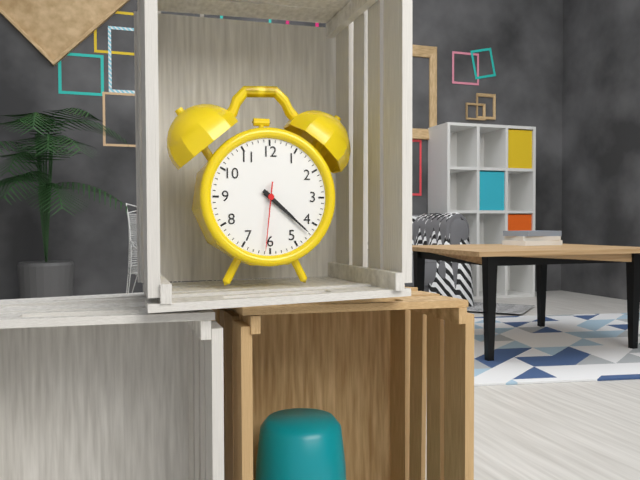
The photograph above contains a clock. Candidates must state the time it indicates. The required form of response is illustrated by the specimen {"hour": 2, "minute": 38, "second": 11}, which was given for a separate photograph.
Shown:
{"hour": 4, "minute": 22, "second": 31}
